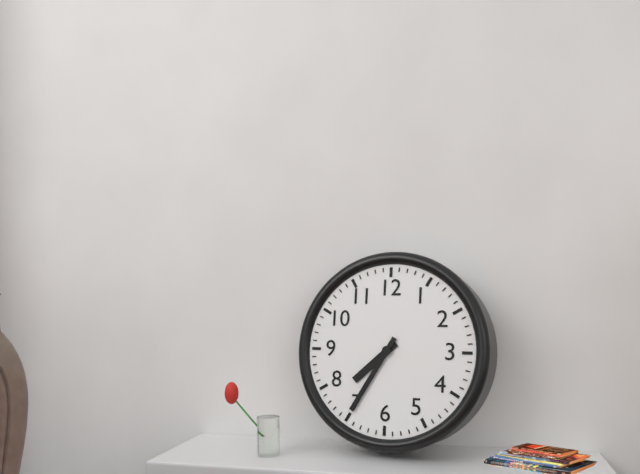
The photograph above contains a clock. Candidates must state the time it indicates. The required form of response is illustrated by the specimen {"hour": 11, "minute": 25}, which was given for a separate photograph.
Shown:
{"hour": 7, "minute": 35}
